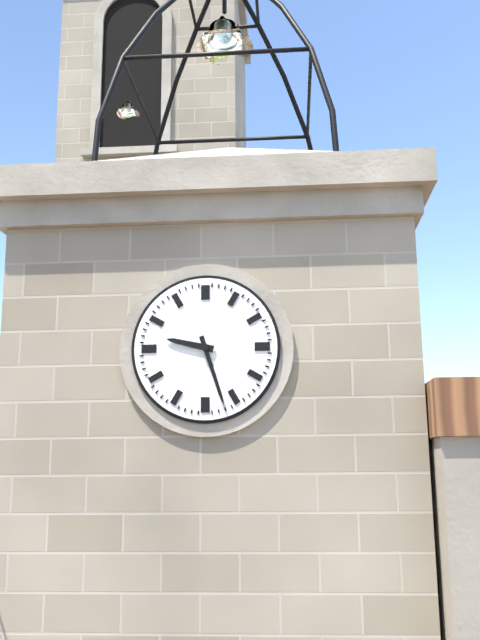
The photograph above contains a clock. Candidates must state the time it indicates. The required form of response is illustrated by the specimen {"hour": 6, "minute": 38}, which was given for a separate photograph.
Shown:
{"hour": 9, "minute": 27}
